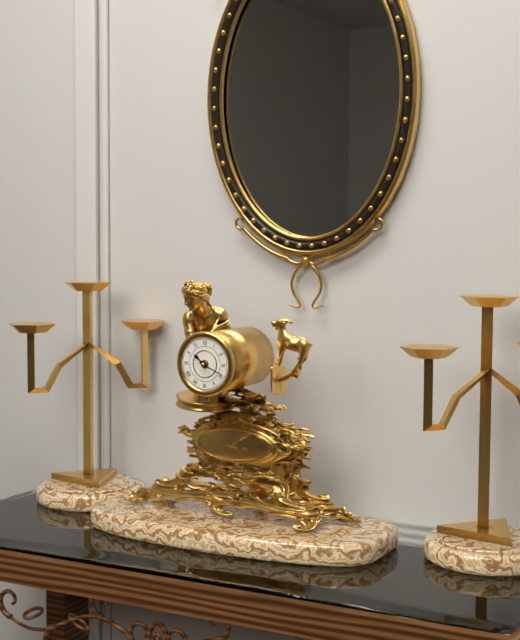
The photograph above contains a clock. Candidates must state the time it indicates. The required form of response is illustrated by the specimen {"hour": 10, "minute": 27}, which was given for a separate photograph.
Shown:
{"hour": 10, "minute": 19}
